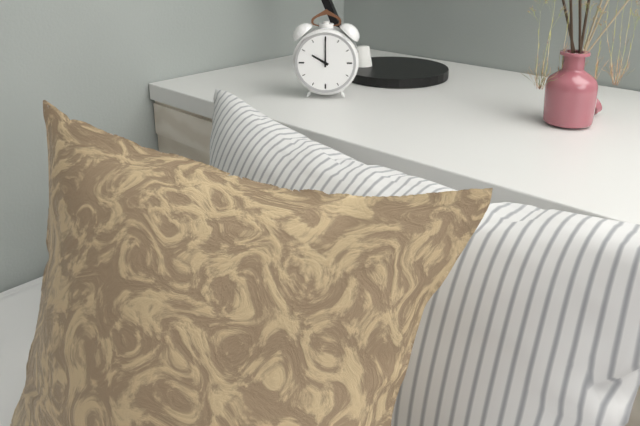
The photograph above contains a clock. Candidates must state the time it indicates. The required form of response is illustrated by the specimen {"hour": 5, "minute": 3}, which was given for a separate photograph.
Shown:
{"hour": 10, "minute": 0}
